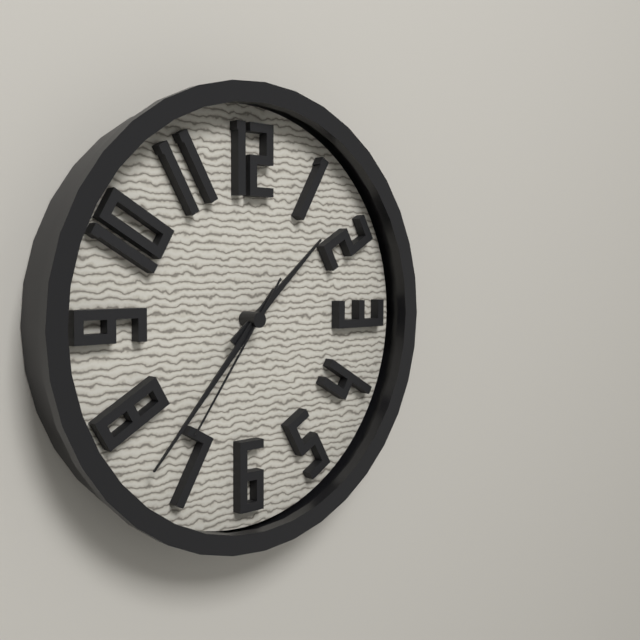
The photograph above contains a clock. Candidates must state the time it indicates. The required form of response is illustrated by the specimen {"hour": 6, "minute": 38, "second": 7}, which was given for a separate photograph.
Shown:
{"hour": 1, "minute": 37, "second": 36}
